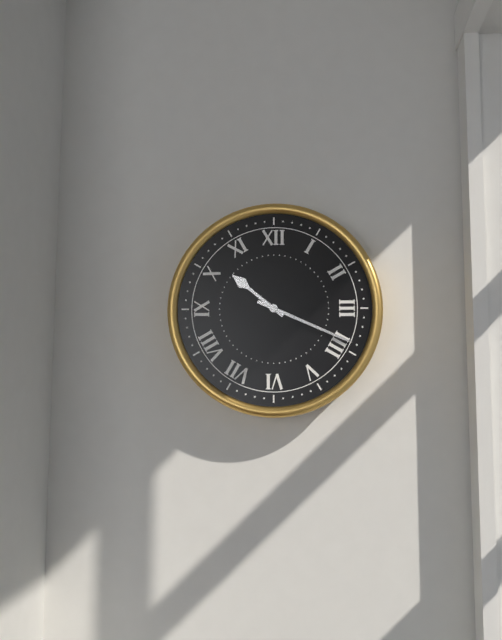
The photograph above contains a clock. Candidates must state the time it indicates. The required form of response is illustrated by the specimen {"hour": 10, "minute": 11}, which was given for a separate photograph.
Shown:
{"hour": 10, "minute": 19}
